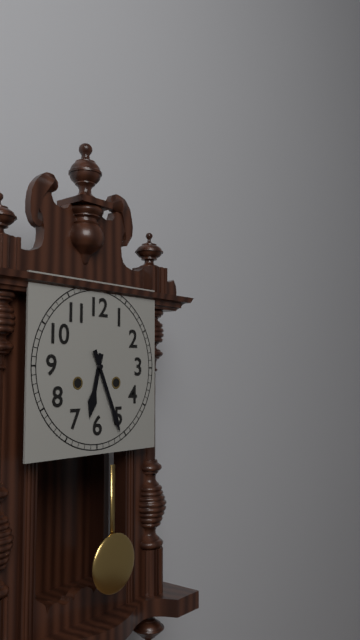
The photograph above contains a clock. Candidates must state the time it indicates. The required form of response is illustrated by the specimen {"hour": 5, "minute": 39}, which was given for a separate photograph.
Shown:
{"hour": 6, "minute": 26}
